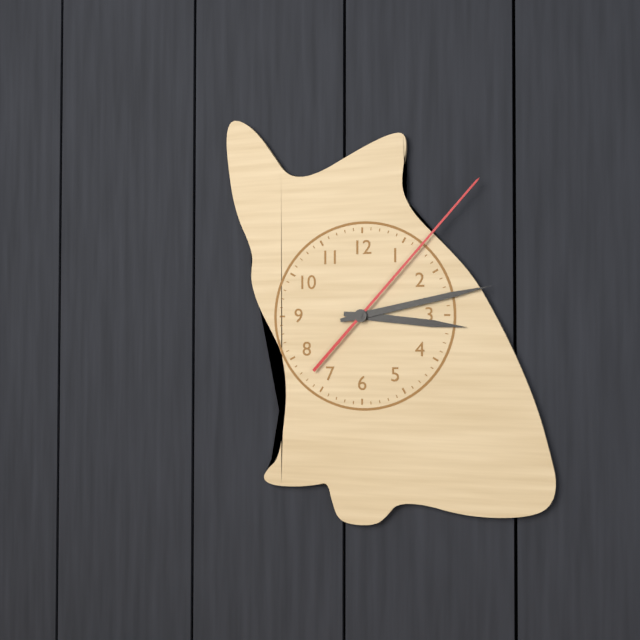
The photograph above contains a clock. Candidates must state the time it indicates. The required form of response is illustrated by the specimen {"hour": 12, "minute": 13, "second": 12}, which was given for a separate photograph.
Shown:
{"hour": 3, "minute": 13, "second": 7}
